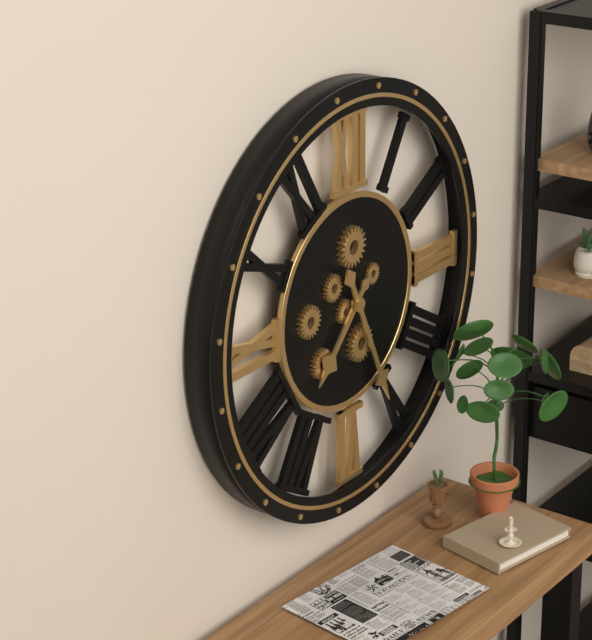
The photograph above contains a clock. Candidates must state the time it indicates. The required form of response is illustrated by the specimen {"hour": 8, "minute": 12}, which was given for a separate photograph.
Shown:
{"hour": 7, "minute": 26}
